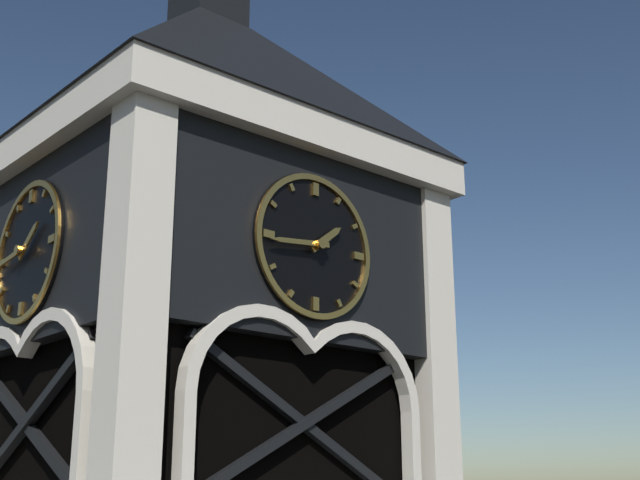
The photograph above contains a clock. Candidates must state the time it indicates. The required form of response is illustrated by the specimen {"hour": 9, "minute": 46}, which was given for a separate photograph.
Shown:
{"hour": 1, "minute": 44}
